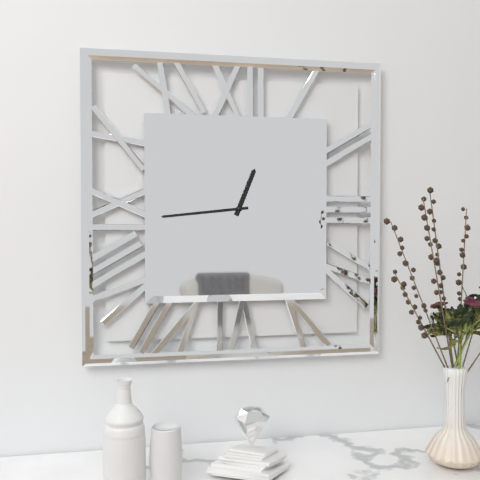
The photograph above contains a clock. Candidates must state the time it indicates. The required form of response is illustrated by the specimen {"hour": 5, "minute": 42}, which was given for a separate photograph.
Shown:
{"hour": 12, "minute": 44}
